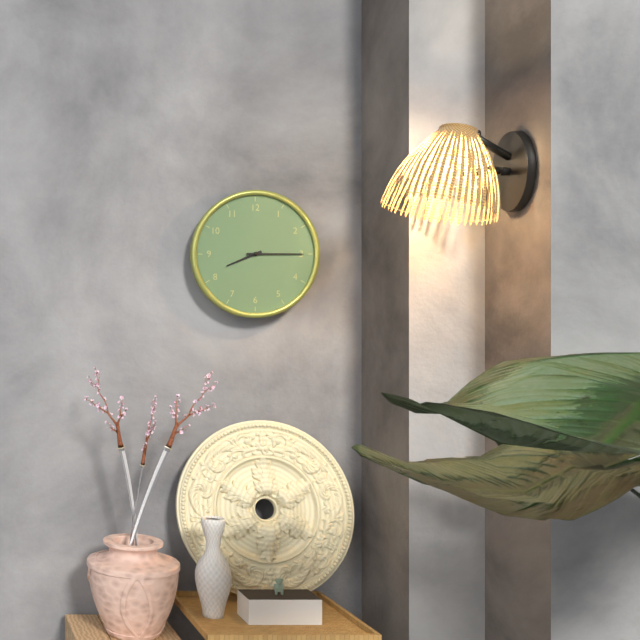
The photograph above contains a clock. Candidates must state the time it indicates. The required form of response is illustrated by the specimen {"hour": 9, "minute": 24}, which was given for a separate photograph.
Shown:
{"hour": 8, "minute": 15}
